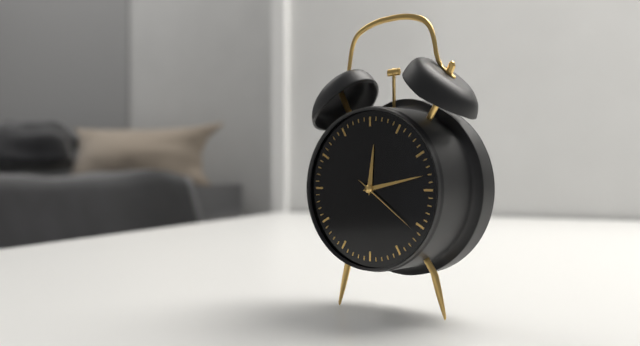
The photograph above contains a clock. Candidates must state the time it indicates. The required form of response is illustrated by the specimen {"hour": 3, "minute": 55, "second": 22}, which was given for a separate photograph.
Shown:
{"hour": 12, "minute": 13, "second": 21}
